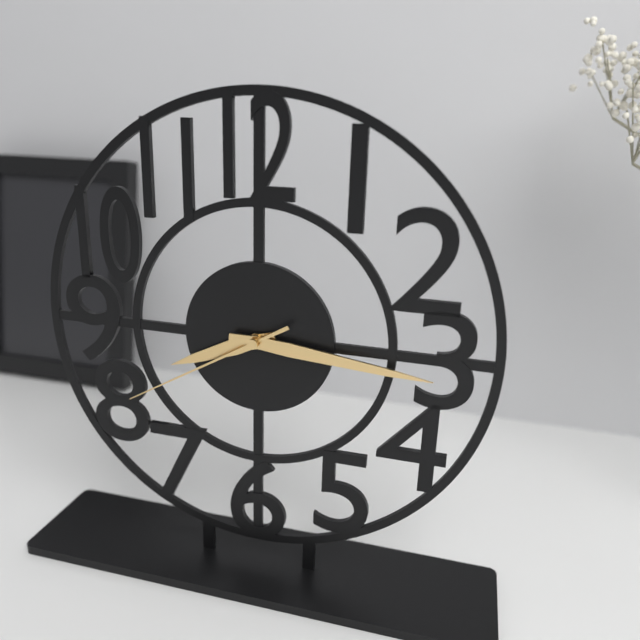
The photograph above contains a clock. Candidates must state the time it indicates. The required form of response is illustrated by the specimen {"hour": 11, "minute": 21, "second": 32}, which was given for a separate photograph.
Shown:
{"hour": 8, "minute": 16, "second": 40}
